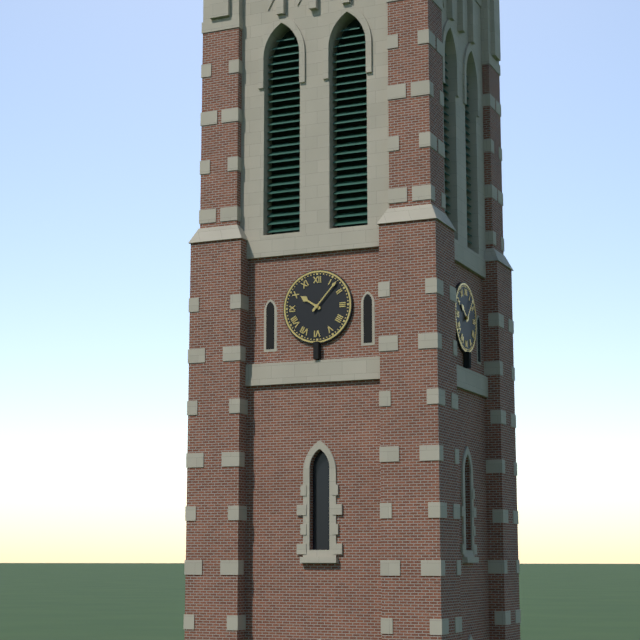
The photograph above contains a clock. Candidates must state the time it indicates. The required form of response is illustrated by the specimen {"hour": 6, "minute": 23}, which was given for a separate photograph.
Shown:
{"hour": 10, "minute": 7}
